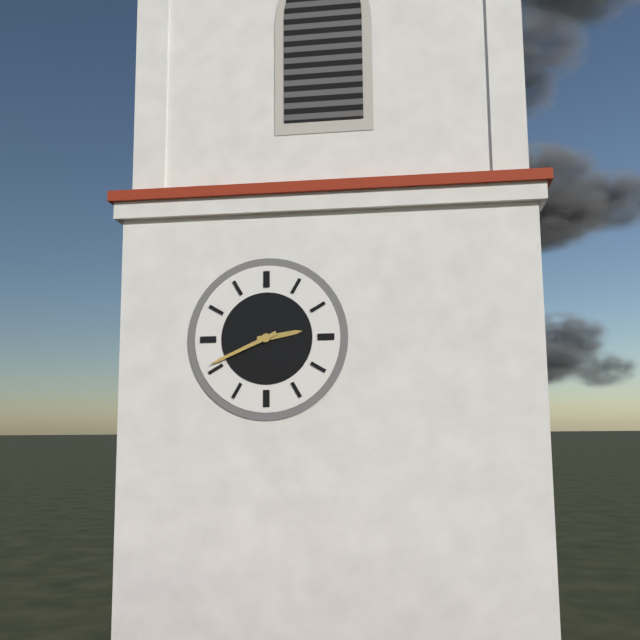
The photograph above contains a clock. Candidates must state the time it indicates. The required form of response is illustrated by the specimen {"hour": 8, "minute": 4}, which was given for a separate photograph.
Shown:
{"hour": 2, "minute": 41}
